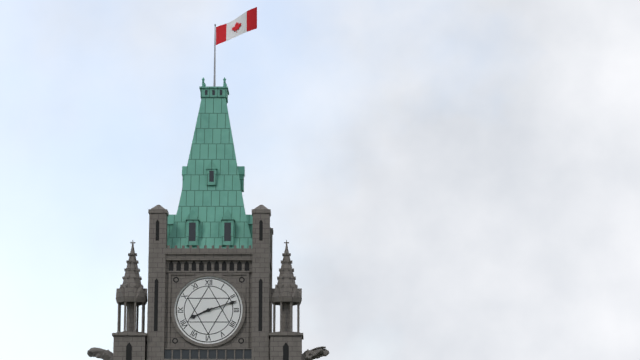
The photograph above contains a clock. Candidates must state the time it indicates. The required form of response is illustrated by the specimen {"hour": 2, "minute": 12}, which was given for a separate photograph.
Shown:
{"hour": 8, "minute": 12}
